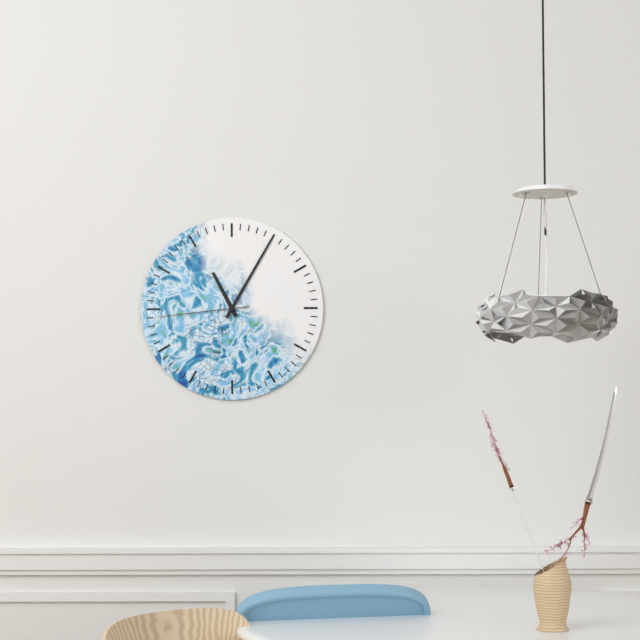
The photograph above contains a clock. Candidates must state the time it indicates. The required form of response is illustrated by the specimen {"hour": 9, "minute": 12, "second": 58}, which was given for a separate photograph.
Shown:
{"hour": 11, "minute": 5, "second": 44}
